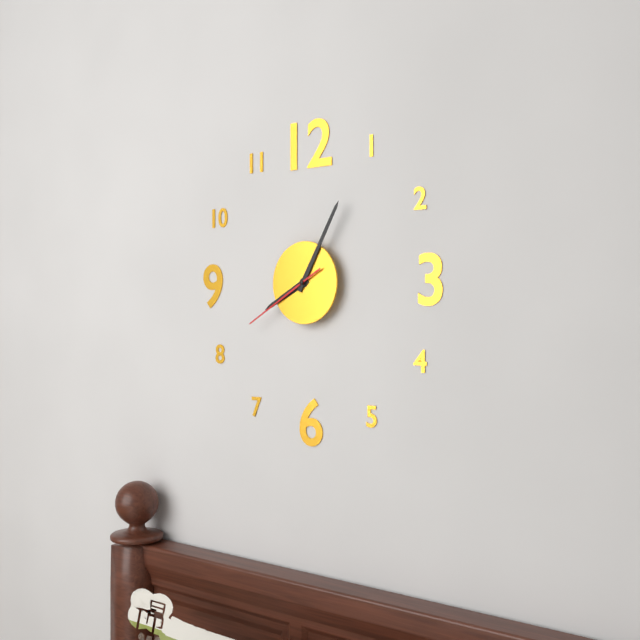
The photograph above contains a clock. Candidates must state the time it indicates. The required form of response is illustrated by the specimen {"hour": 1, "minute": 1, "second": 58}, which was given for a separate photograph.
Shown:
{"hour": 8, "minute": 5, "second": 40}
